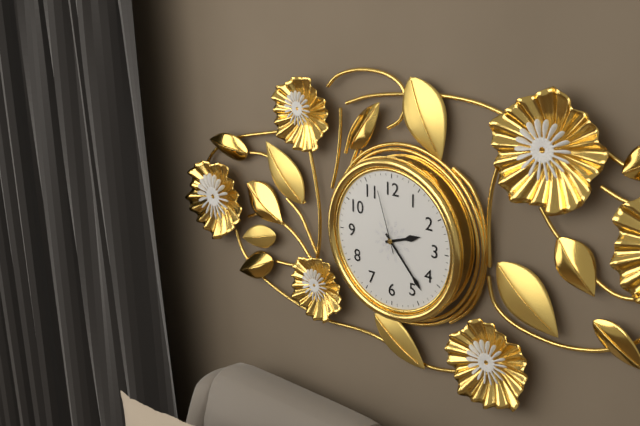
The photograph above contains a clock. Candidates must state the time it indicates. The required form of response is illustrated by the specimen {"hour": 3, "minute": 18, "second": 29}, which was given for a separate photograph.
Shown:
{"hour": 2, "minute": 23, "second": 57}
